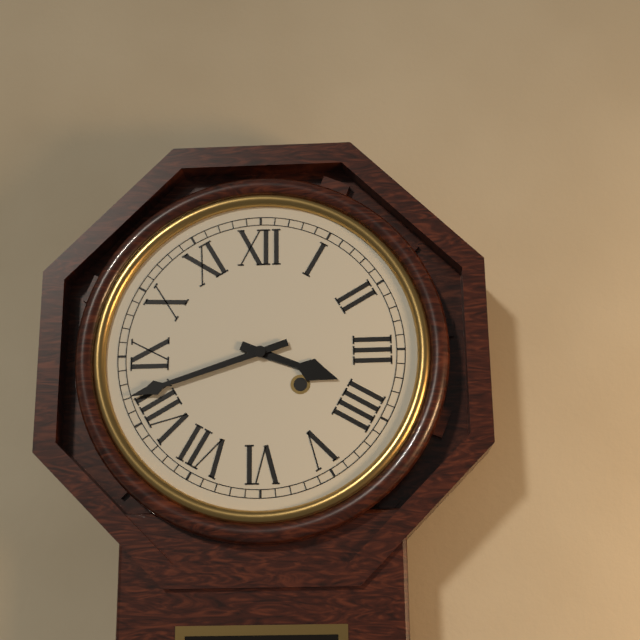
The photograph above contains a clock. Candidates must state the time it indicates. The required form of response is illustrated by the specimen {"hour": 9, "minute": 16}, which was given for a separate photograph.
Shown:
{"hour": 3, "minute": 42}
